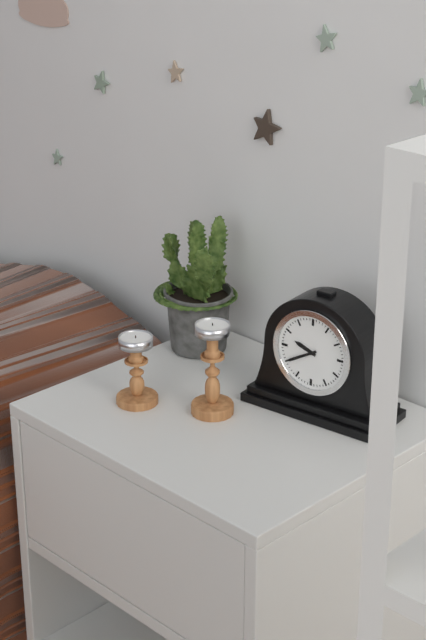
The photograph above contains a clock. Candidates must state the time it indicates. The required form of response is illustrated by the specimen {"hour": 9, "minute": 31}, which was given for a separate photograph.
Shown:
{"hour": 9, "minute": 40}
